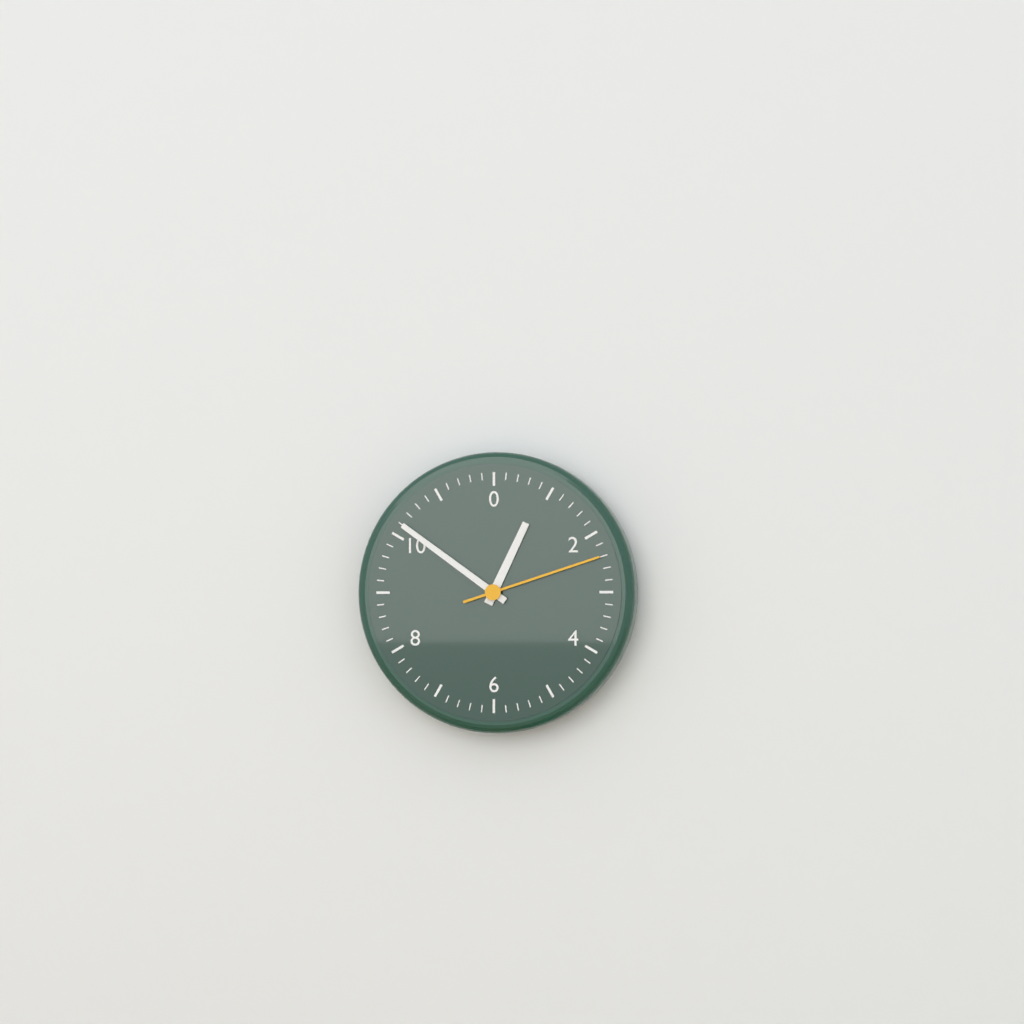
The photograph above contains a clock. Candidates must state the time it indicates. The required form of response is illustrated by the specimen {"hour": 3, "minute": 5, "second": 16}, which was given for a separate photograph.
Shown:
{"hour": 12, "minute": 51, "second": 12}
